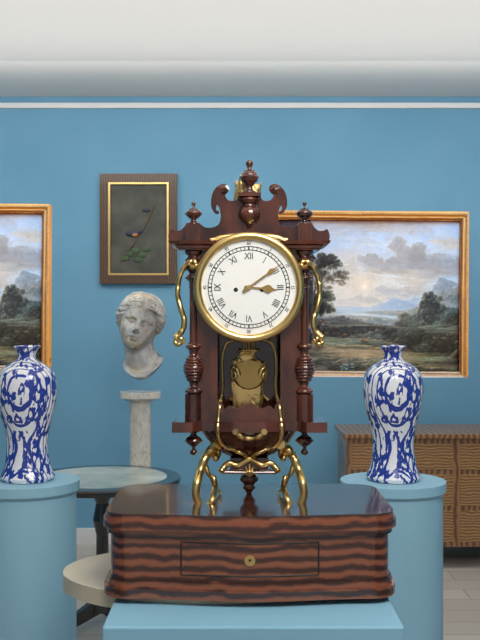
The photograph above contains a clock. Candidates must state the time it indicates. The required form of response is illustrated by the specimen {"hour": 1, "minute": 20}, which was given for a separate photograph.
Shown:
{"hour": 3, "minute": 9}
